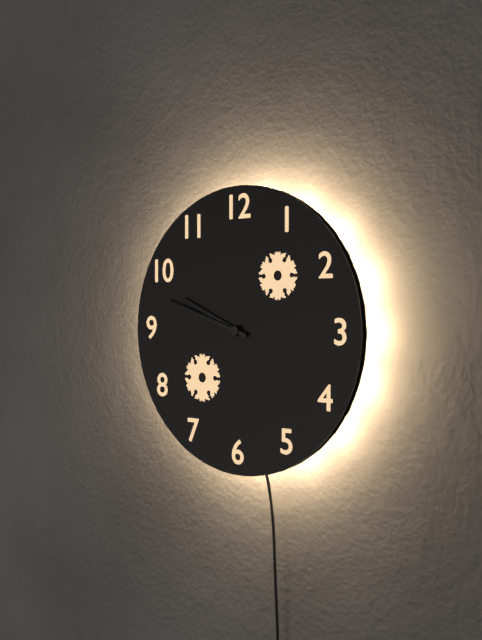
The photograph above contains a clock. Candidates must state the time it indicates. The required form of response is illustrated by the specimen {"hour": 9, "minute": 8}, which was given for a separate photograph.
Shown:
{"hour": 9, "minute": 48}
